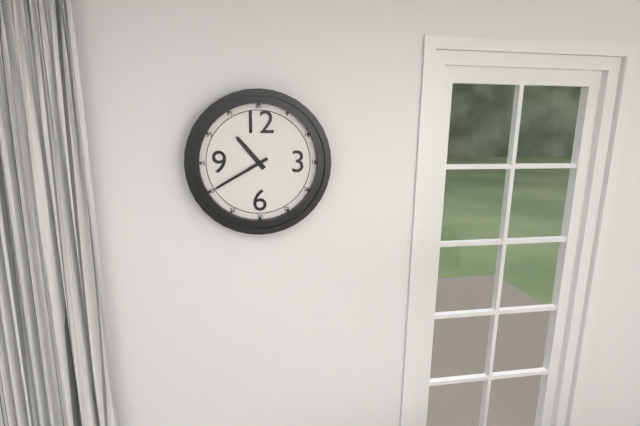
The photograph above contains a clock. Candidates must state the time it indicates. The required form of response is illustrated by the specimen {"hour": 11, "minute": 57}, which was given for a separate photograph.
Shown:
{"hour": 10, "minute": 40}
